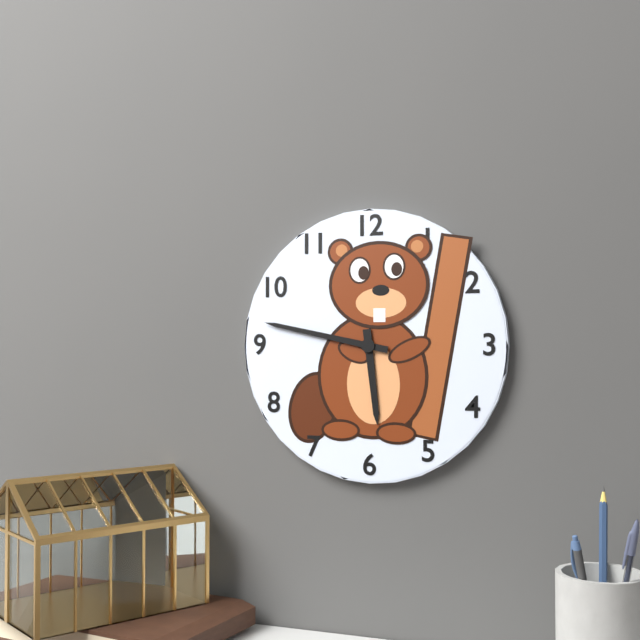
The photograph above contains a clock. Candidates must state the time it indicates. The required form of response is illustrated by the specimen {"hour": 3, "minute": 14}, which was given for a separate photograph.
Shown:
{"hour": 5, "minute": 47}
